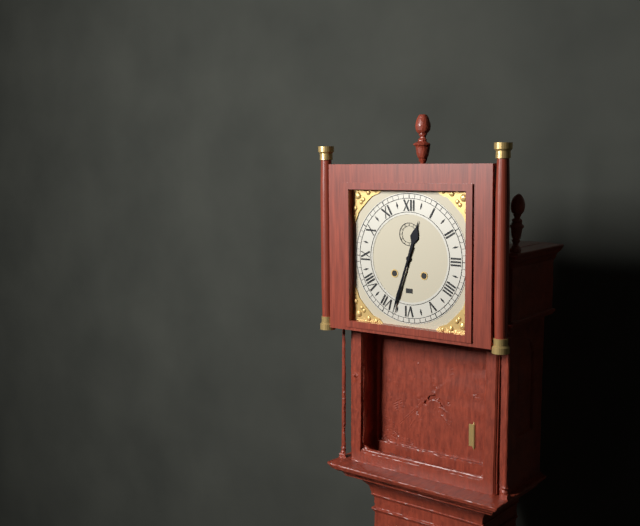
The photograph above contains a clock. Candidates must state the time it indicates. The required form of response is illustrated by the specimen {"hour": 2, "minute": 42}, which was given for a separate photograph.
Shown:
{"hour": 12, "minute": 33}
